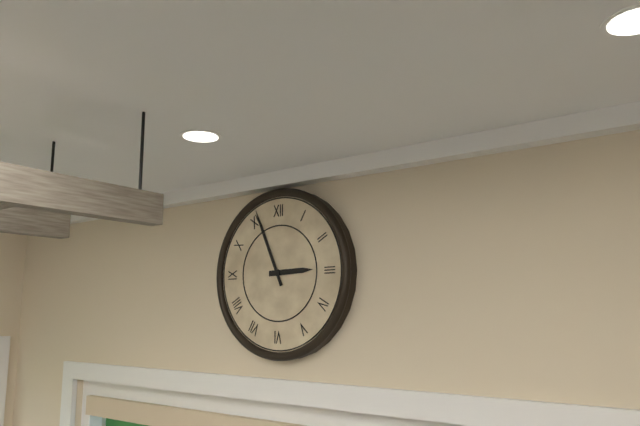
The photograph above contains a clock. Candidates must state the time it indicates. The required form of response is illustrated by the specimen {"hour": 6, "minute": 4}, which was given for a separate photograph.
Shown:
{"hour": 2, "minute": 56}
